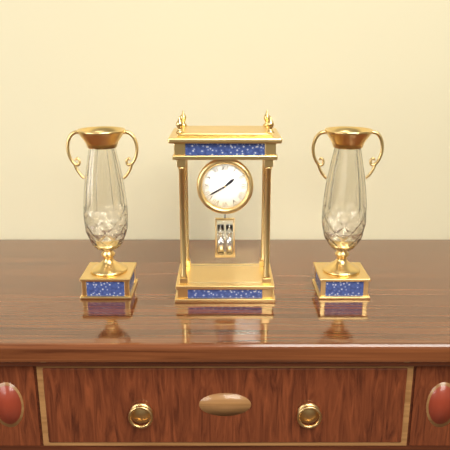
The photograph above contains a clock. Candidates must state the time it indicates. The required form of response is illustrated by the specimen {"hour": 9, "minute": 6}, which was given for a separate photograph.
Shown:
{"hour": 1, "minute": 40}
